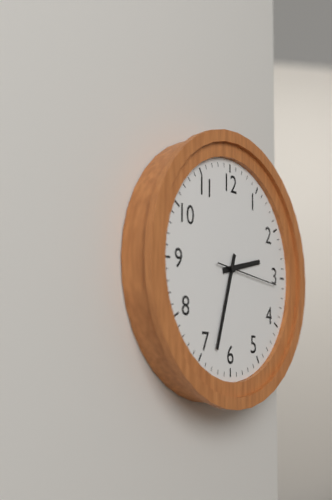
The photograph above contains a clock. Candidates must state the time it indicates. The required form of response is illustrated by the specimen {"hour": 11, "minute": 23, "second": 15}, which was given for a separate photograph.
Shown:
{"hour": 2, "minute": 33, "second": 16}
